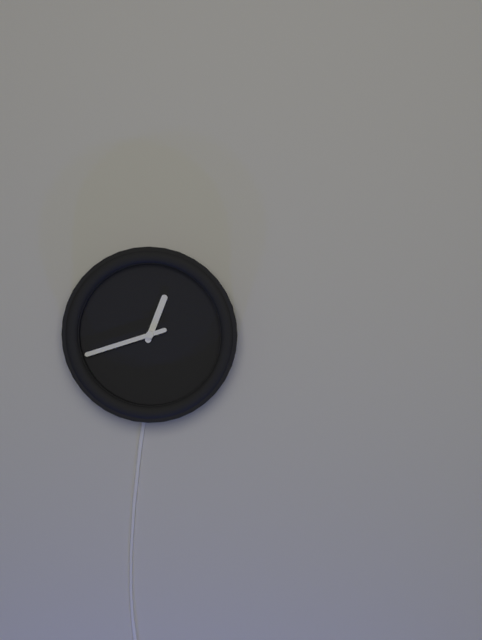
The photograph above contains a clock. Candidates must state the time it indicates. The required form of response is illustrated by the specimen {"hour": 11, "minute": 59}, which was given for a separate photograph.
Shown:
{"hour": 12, "minute": 42}
